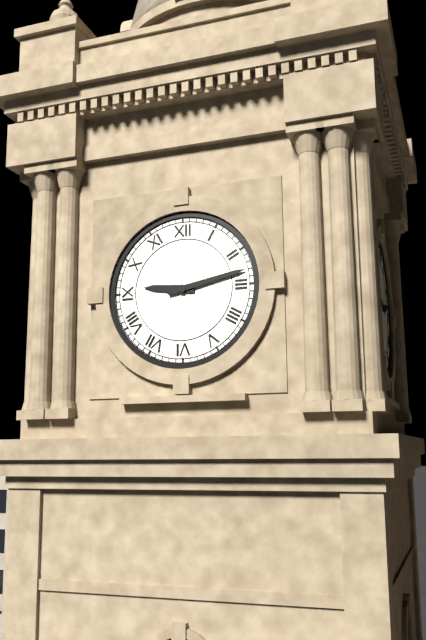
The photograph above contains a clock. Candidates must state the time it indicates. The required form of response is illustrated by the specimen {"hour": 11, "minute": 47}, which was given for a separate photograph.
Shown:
{"hour": 9, "minute": 13}
